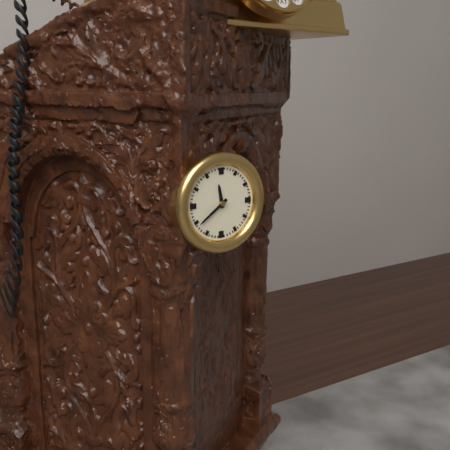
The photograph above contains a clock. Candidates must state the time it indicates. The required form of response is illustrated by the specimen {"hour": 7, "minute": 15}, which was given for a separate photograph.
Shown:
{"hour": 11, "minute": 39}
